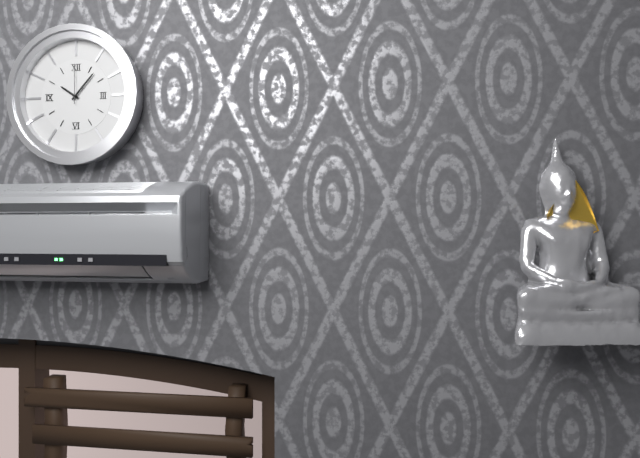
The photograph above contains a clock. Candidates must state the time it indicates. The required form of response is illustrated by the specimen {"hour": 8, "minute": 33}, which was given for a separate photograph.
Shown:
{"hour": 10, "minute": 7}
